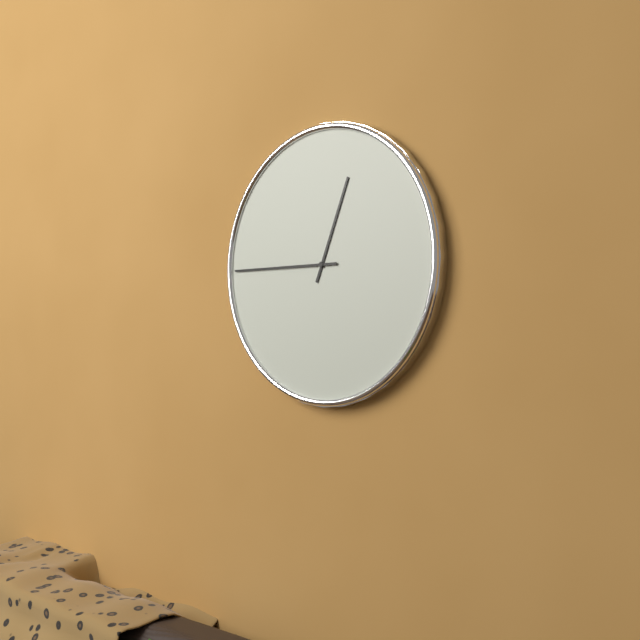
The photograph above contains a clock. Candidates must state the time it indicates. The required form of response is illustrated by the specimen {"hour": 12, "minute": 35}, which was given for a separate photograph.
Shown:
{"hour": 12, "minute": 45}
